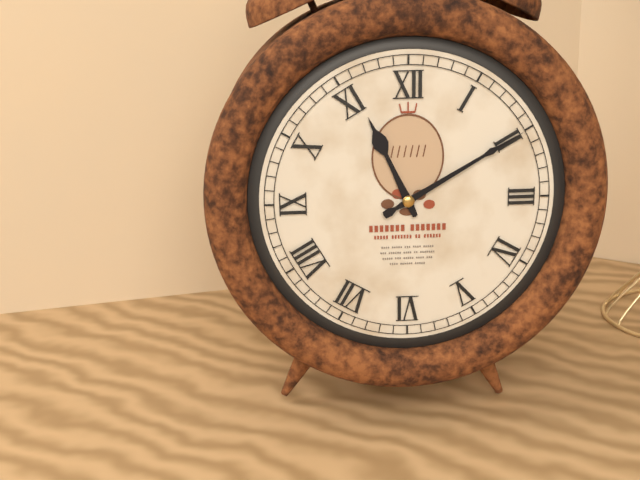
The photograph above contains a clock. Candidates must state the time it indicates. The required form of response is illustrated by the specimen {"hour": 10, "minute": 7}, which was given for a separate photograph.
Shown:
{"hour": 11, "minute": 10}
